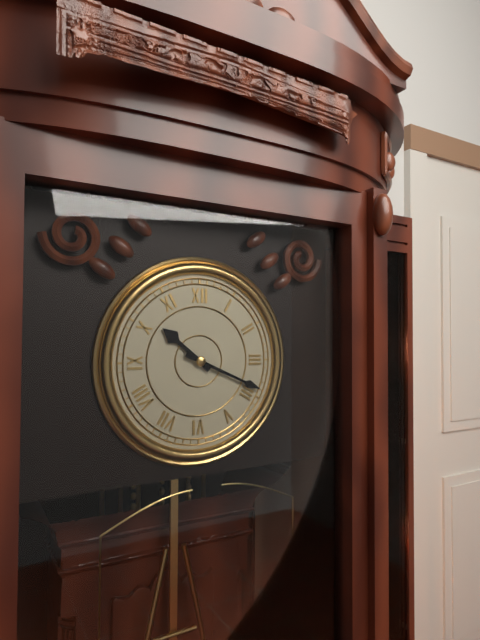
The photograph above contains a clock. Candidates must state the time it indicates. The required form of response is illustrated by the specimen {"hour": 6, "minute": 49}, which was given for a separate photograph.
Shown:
{"hour": 10, "minute": 19}
